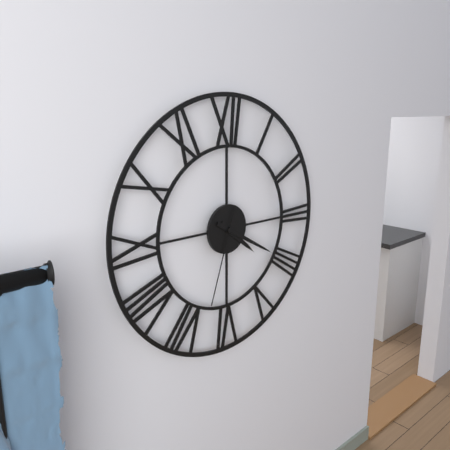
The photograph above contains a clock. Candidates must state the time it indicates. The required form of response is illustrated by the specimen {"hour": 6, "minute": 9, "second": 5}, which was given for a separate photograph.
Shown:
{"hour": 4, "minute": 20, "second": 33}
